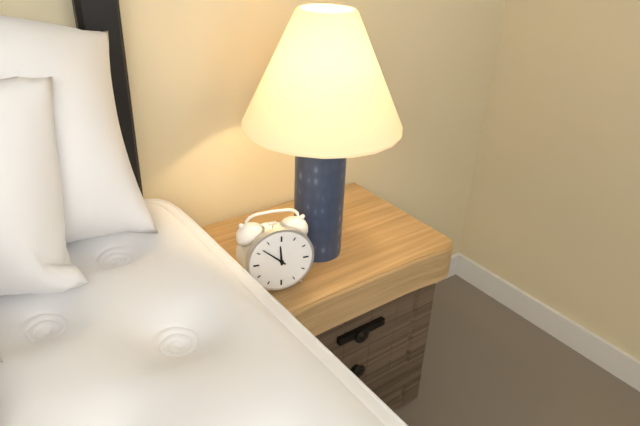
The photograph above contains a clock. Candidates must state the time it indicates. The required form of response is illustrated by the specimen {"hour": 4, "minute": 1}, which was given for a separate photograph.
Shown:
{"hour": 11, "minute": 52}
